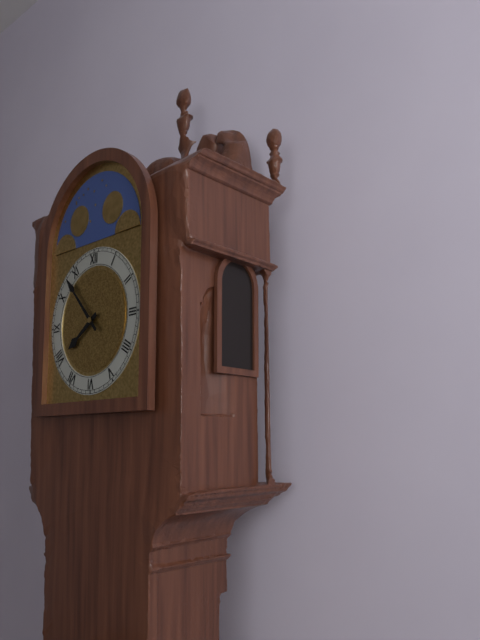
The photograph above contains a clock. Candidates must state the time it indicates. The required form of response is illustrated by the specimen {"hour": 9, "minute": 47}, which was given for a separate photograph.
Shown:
{"hour": 7, "minute": 53}
